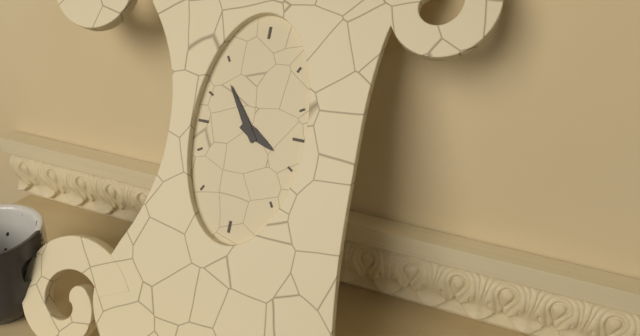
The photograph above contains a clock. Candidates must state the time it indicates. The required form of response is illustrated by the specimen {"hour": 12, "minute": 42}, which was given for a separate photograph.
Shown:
{"hour": 3, "minute": 54}
